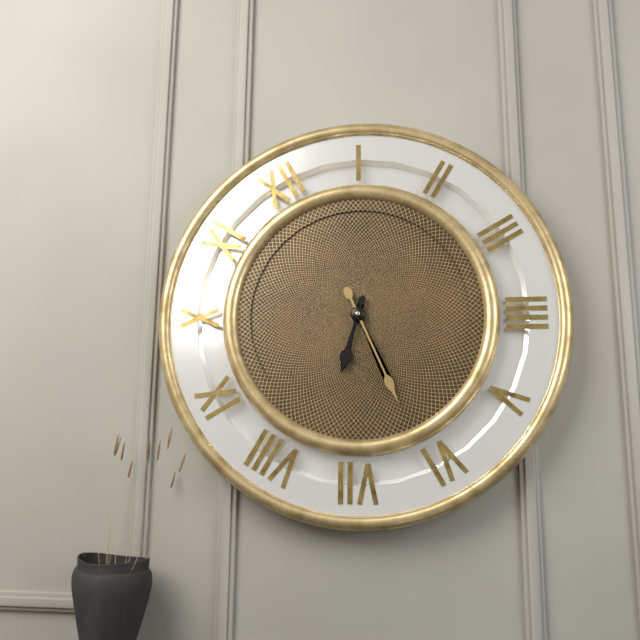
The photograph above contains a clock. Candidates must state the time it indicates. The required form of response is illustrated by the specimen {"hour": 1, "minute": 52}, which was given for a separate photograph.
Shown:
{"hour": 7, "minute": 31}
